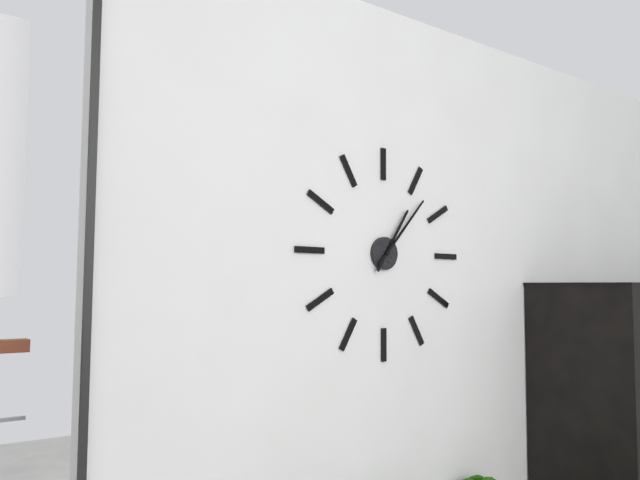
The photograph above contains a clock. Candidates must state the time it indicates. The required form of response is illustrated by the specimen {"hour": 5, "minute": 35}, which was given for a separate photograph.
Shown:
{"hour": 1, "minute": 7}
